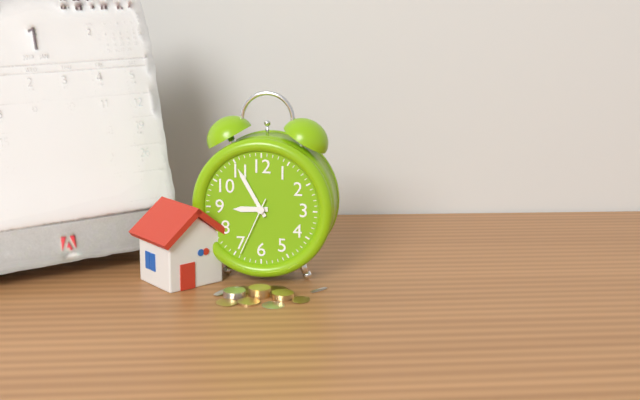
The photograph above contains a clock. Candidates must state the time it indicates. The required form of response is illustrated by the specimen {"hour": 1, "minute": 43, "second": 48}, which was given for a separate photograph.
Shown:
{"hour": 8, "minute": 55, "second": 34}
